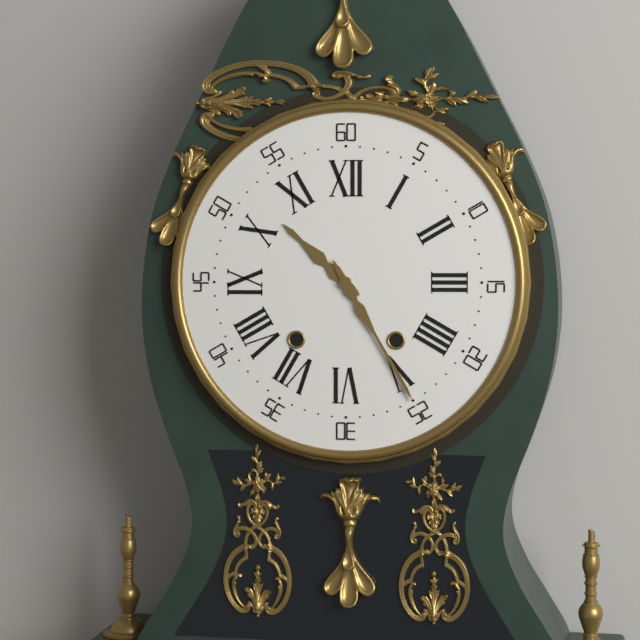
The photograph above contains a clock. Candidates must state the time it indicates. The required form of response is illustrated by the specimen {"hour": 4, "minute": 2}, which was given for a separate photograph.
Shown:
{"hour": 10, "minute": 25}
